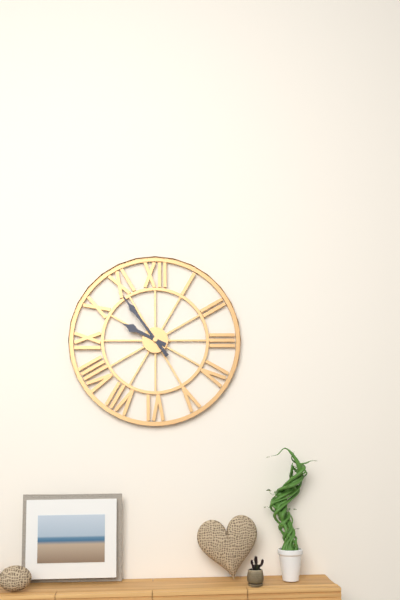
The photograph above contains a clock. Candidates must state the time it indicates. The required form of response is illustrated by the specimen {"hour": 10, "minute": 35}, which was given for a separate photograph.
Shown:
{"hour": 9, "minute": 54}
